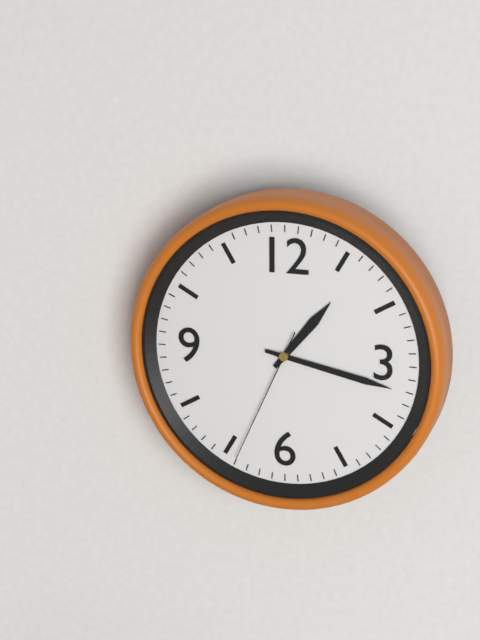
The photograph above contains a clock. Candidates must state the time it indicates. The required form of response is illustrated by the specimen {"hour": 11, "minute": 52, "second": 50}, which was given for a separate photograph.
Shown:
{"hour": 1, "minute": 17, "second": 34}
